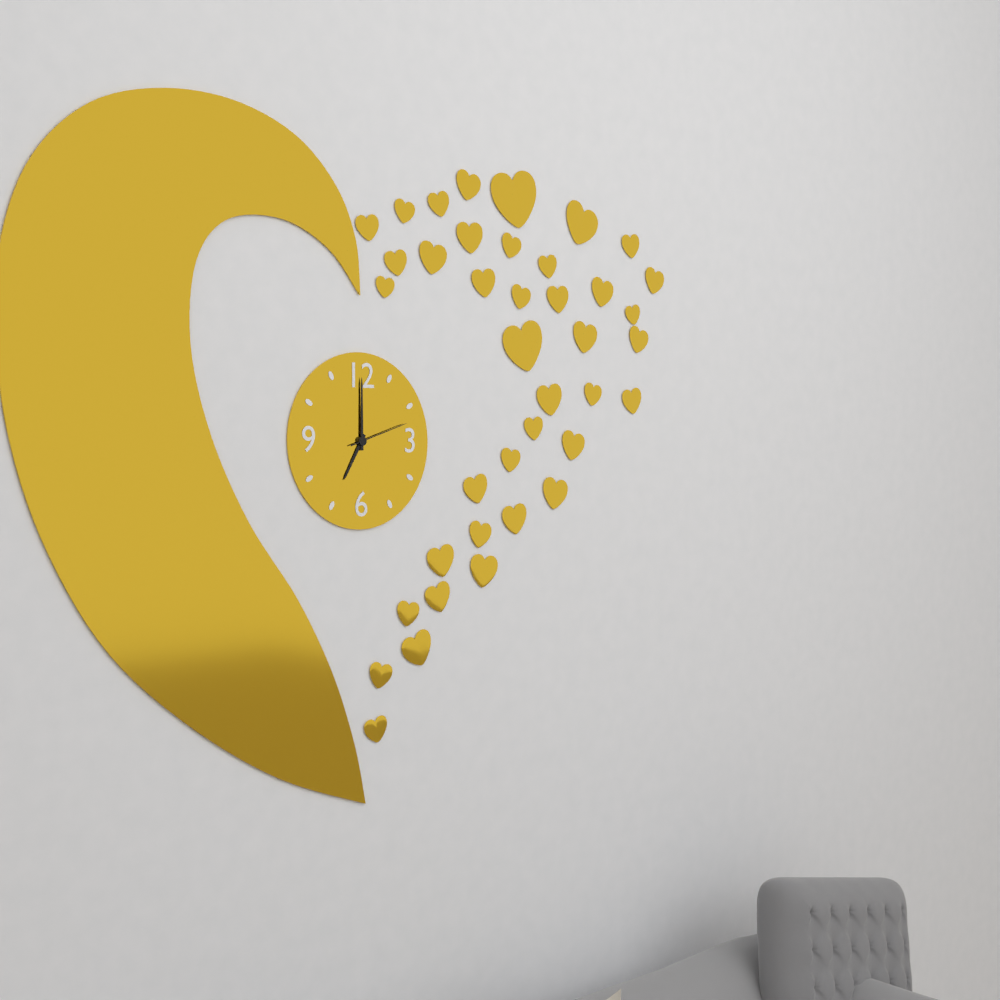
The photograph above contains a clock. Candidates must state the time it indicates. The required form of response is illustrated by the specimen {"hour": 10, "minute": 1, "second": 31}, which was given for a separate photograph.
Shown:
{"hour": 7, "minute": 0, "second": 12}
